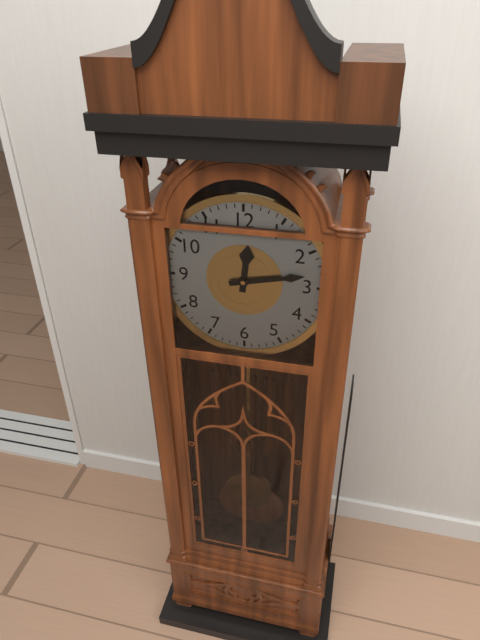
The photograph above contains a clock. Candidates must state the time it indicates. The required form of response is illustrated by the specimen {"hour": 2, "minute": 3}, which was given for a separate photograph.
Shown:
{"hour": 12, "minute": 13}
